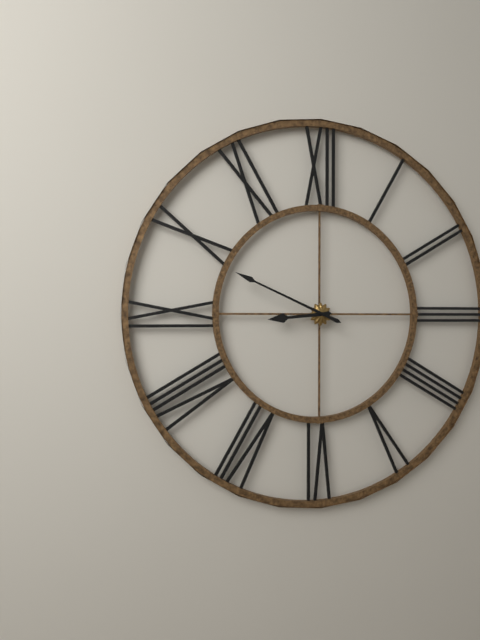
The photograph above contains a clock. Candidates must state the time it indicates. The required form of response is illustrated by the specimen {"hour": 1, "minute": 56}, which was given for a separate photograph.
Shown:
{"hour": 8, "minute": 49}
